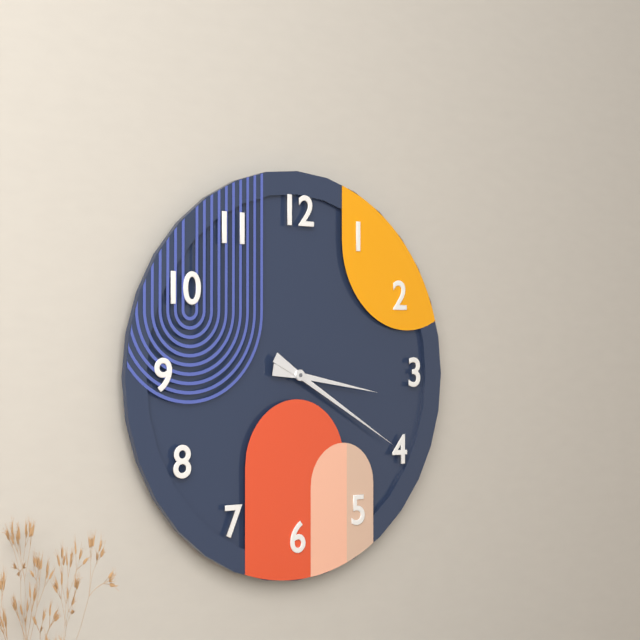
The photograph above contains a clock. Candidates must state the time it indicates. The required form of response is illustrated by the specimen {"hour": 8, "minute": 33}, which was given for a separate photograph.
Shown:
{"hour": 3, "minute": 20}
